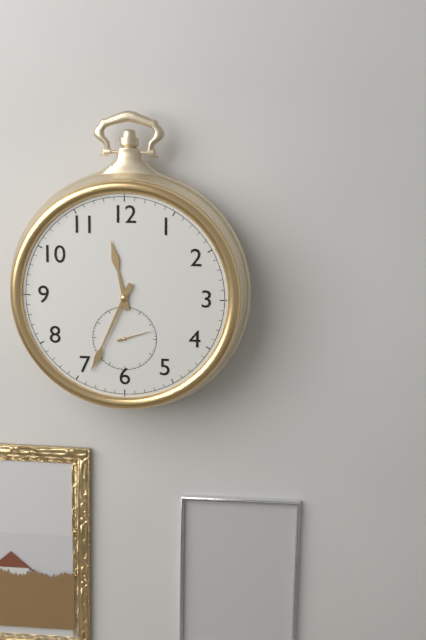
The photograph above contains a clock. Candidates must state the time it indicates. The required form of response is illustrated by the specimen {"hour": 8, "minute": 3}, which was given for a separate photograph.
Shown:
{"hour": 11, "minute": 34}
